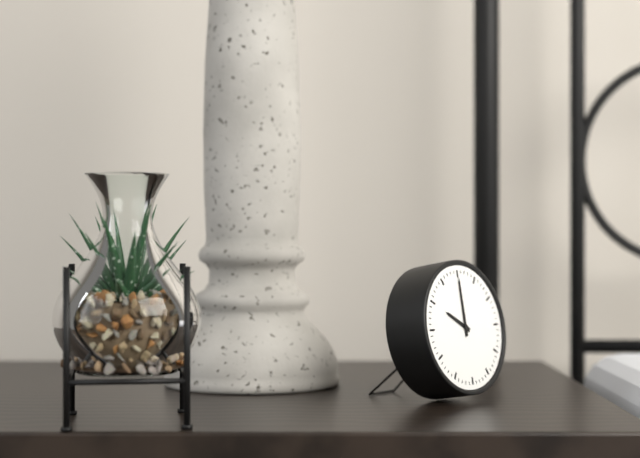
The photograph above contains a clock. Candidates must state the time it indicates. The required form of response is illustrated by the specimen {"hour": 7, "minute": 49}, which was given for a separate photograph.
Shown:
{"hour": 10, "minute": 0}
